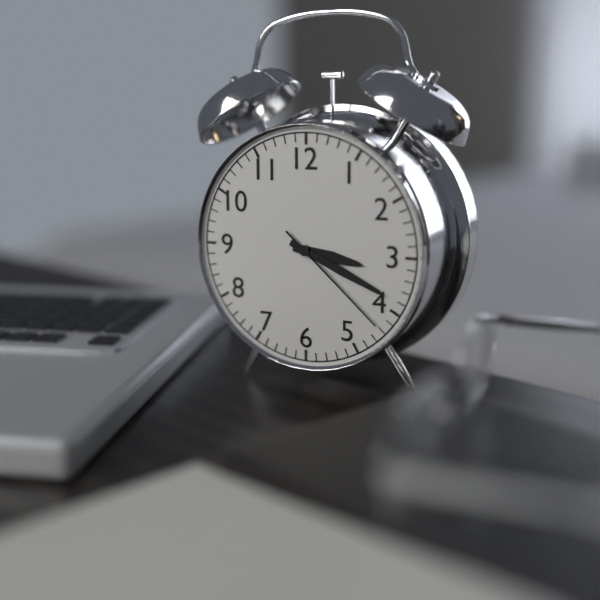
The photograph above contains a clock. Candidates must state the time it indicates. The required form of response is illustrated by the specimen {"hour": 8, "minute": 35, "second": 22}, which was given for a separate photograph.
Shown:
{"hour": 3, "minute": 19, "second": 22}
